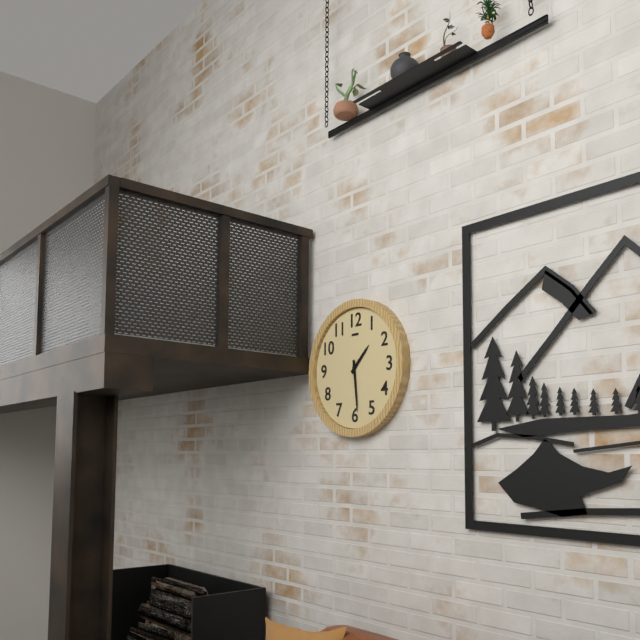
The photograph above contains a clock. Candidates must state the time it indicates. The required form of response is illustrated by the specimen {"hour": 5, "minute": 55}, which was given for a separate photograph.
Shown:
{"hour": 1, "minute": 29}
